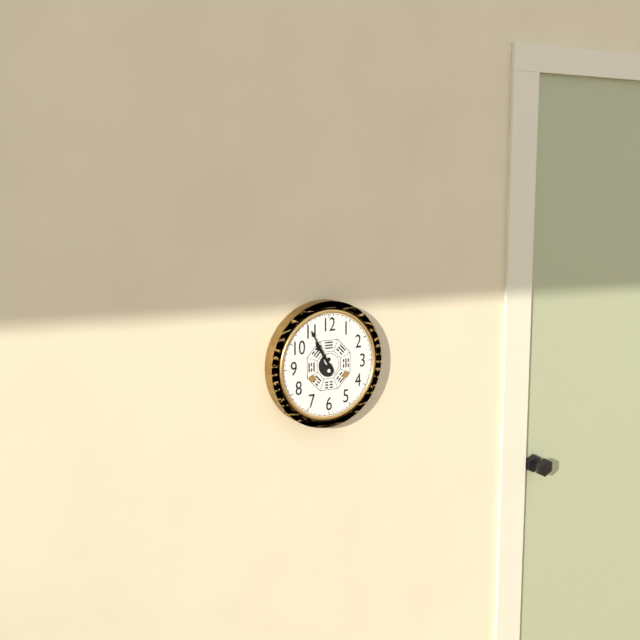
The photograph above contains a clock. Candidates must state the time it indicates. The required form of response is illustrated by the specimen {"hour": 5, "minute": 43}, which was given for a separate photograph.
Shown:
{"hour": 10, "minute": 55}
